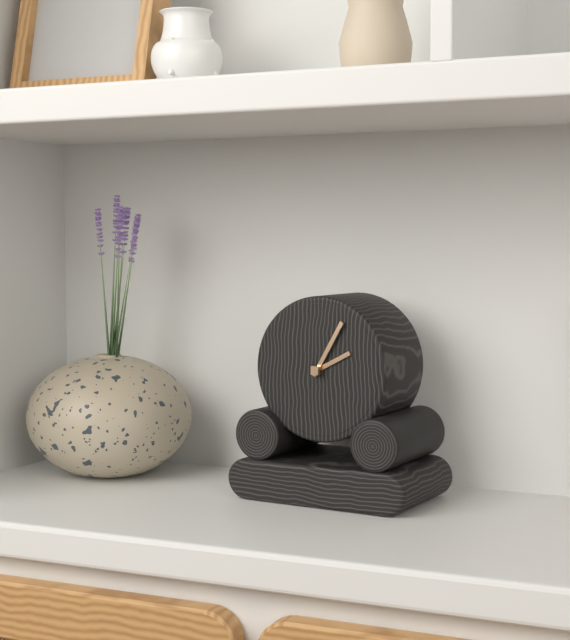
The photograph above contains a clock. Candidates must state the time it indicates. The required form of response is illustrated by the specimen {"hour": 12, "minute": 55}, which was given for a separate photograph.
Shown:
{"hour": 2, "minute": 5}
